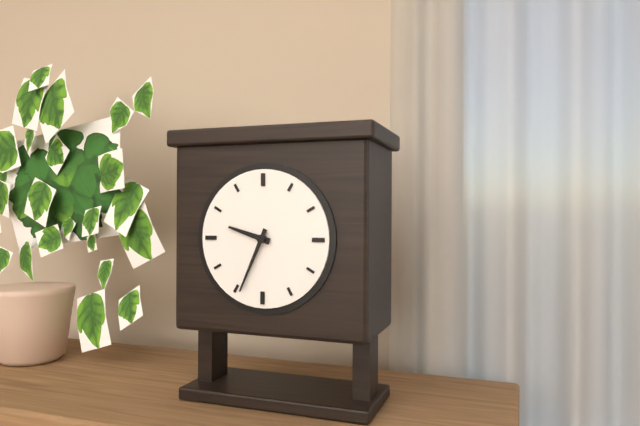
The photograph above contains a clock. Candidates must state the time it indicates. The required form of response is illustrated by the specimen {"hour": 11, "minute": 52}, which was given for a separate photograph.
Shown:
{"hour": 9, "minute": 34}
